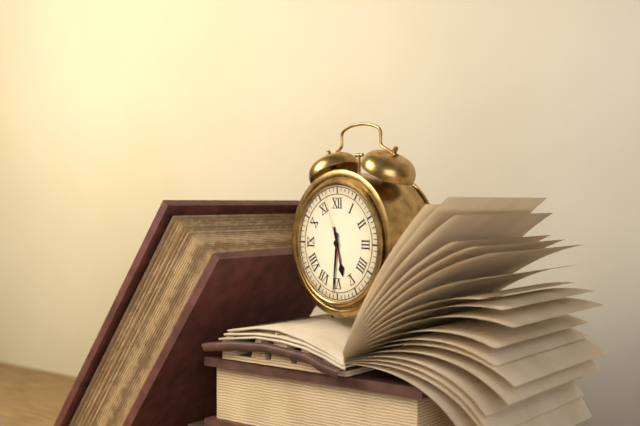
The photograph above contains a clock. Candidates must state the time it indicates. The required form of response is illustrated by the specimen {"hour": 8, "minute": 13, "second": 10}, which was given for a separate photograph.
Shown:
{"hour": 5, "minute": 31, "second": 57}
